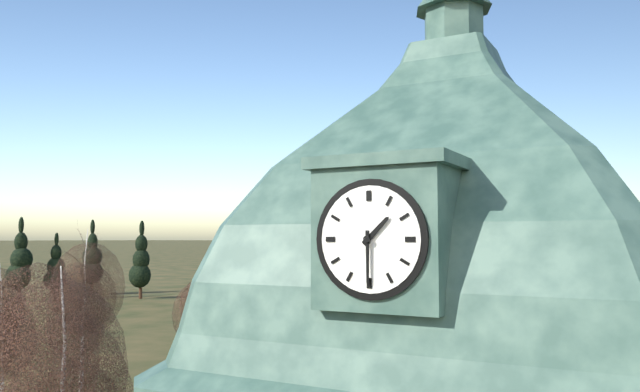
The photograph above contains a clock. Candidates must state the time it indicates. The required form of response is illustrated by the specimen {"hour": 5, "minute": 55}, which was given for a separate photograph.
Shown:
{"hour": 1, "minute": 30}
